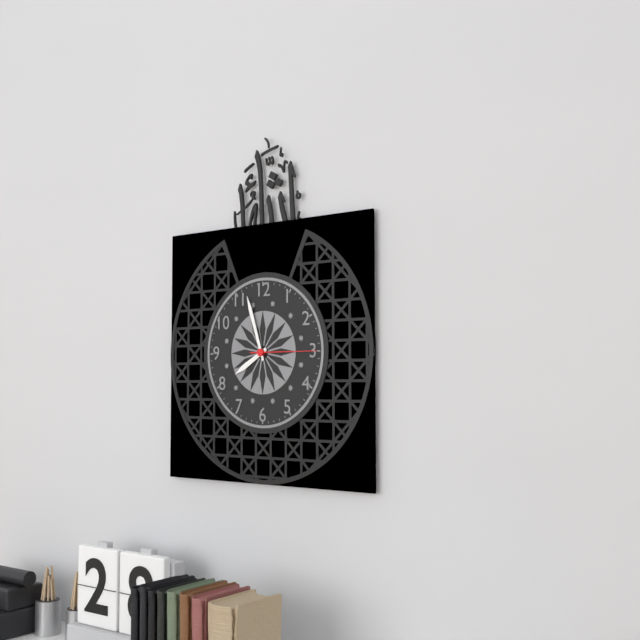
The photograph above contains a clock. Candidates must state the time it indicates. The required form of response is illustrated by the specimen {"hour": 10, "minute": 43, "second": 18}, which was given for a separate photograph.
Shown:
{"hour": 7, "minute": 57, "second": 15}
